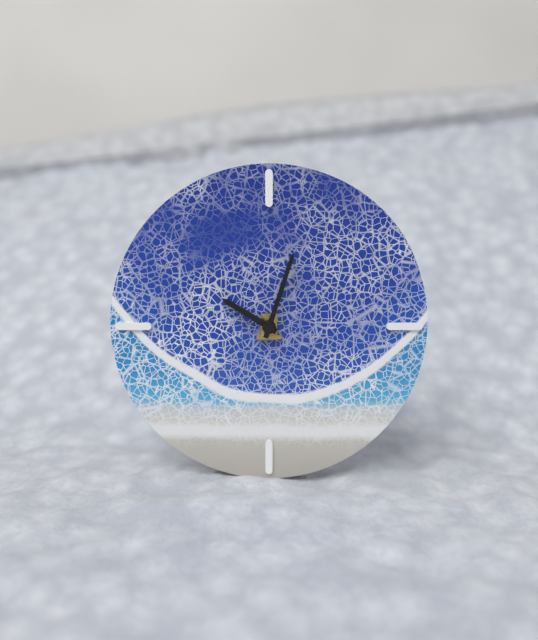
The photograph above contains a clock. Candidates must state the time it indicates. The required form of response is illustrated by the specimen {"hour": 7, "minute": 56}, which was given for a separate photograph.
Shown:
{"hour": 10, "minute": 3}
